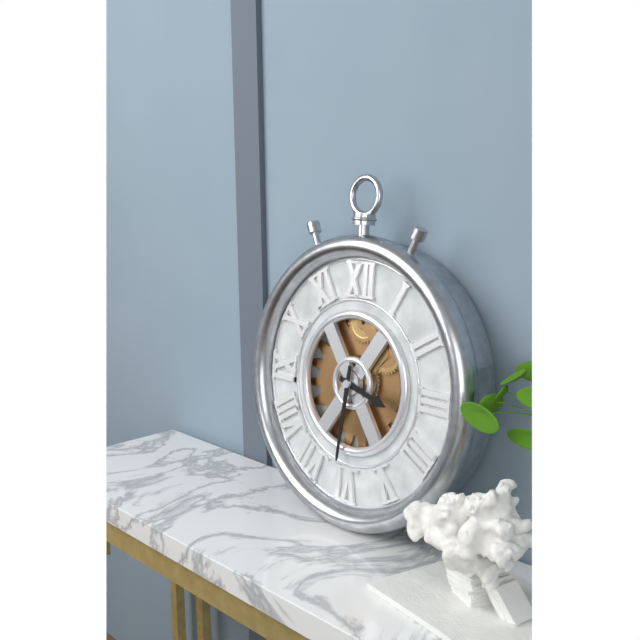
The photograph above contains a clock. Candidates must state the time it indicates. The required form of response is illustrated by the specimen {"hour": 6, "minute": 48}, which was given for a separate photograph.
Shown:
{"hour": 3, "minute": 31}
